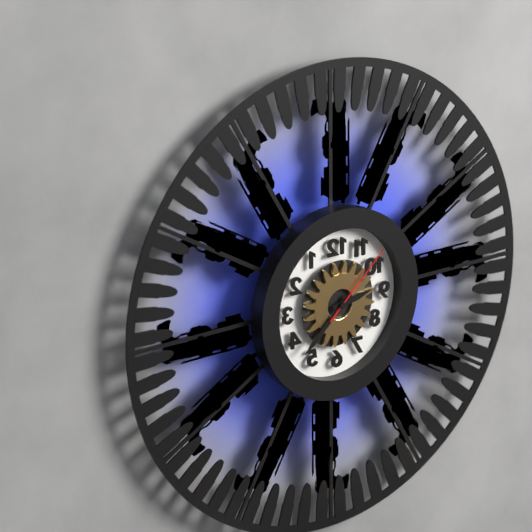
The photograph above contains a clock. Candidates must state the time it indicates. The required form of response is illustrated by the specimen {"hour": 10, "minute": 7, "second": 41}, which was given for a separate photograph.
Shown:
{"hour": 2, "minute": 38, "second": 8}
